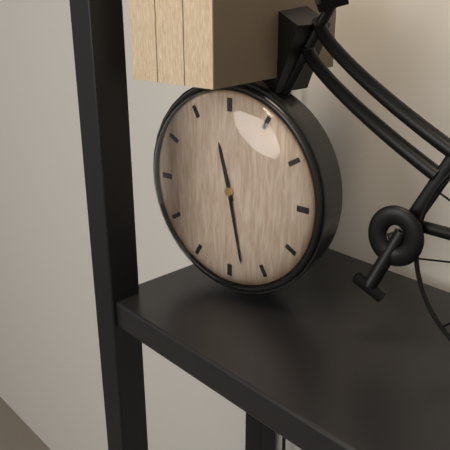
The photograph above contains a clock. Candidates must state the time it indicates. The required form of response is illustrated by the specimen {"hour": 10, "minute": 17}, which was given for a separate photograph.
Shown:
{"hour": 11, "minute": 28}
